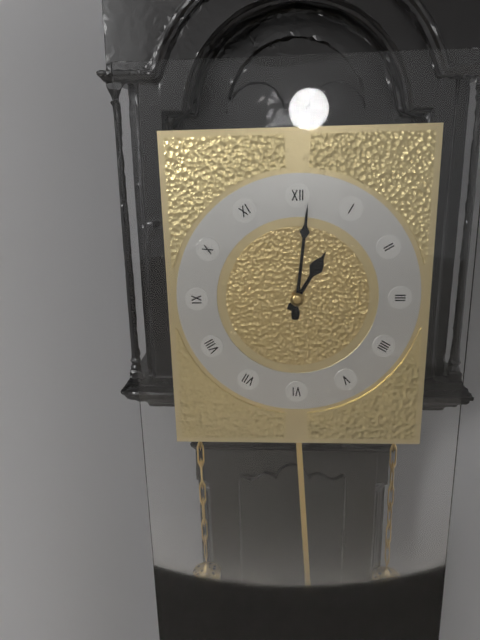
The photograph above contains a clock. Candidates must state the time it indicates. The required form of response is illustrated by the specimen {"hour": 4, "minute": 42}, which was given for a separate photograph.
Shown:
{"hour": 1, "minute": 1}
